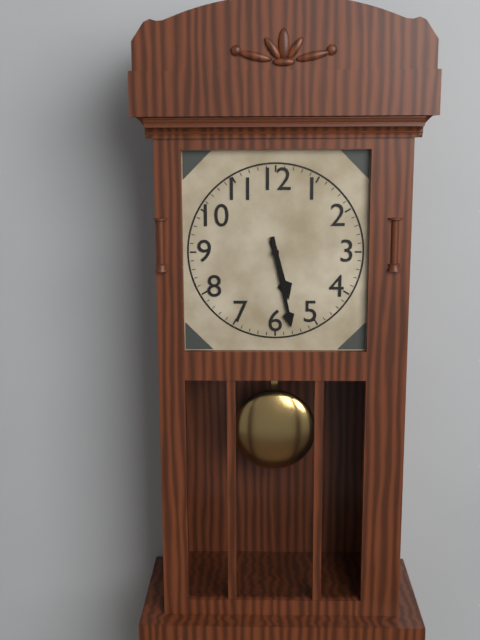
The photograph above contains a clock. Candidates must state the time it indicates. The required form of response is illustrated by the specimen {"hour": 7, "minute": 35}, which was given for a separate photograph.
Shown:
{"hour": 5, "minute": 28}
